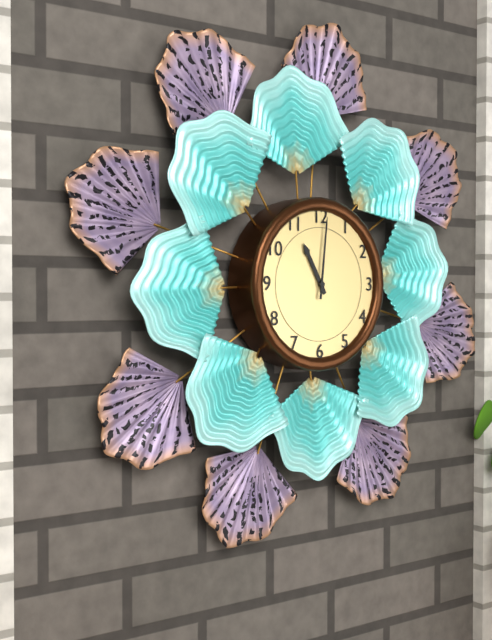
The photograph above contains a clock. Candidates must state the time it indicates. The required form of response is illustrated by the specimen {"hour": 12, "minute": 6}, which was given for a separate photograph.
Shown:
{"hour": 11, "minute": 1}
